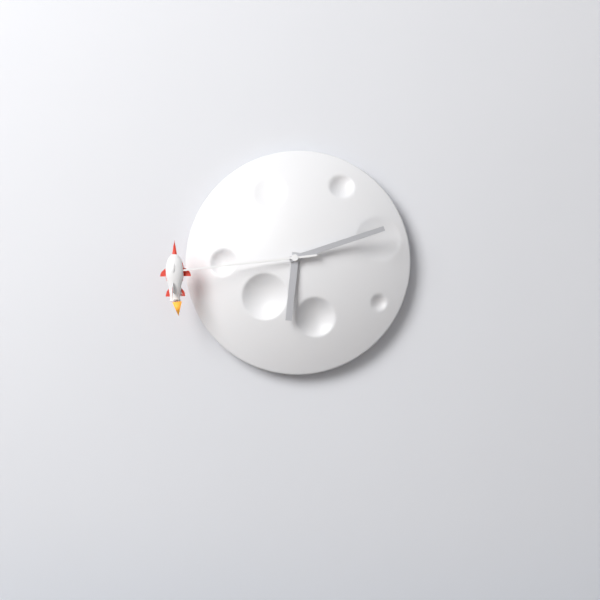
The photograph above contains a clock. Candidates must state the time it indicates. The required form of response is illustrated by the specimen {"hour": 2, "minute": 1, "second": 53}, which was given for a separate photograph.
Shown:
{"hour": 6, "minute": 12, "second": 44}
